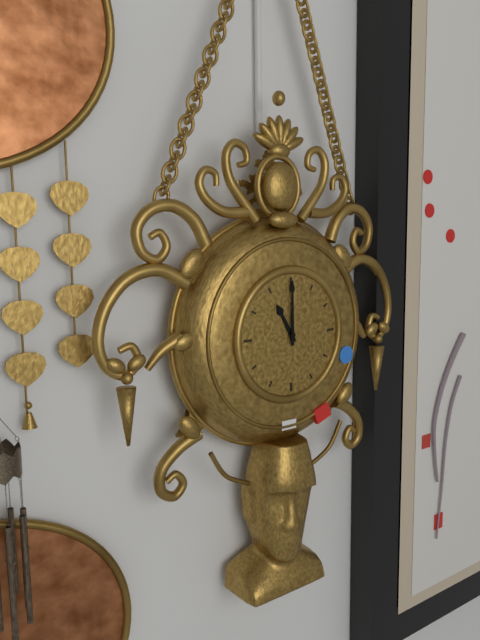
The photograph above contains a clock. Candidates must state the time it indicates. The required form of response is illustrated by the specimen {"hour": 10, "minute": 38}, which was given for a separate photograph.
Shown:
{"hour": 11, "minute": 0}
